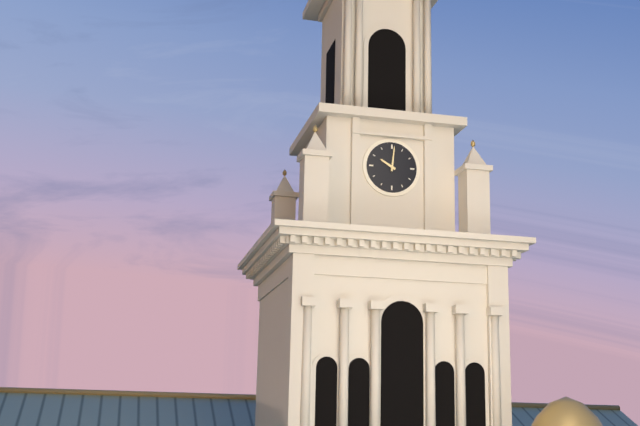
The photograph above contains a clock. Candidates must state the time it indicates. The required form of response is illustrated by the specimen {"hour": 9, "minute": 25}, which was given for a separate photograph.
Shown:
{"hour": 10, "minute": 1}
